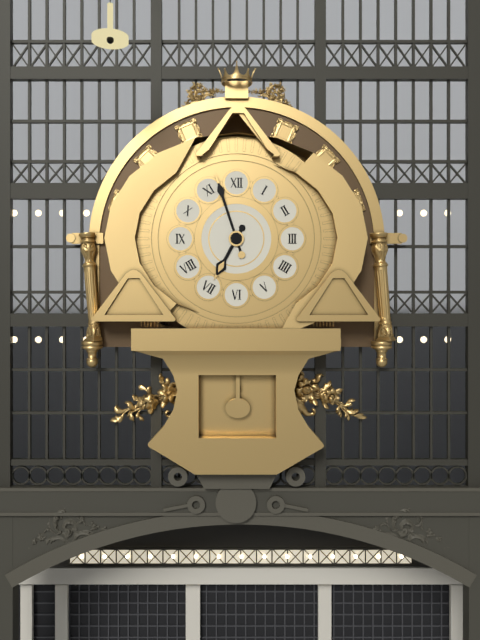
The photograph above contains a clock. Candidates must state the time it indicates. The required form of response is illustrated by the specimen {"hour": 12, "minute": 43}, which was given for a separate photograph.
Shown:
{"hour": 6, "minute": 57}
